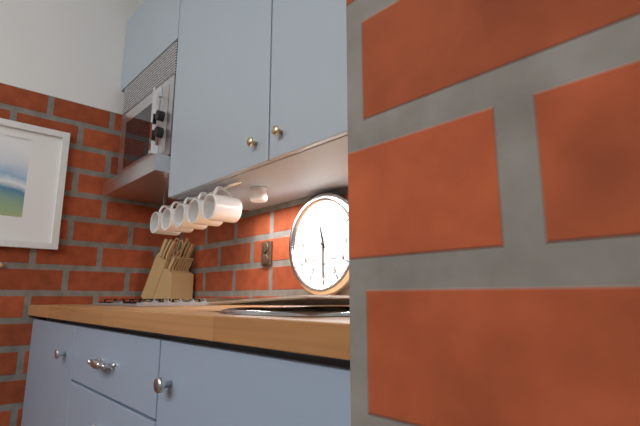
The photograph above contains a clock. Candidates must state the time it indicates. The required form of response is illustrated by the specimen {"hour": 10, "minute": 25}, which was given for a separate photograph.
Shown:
{"hour": 11, "minute": 30}
